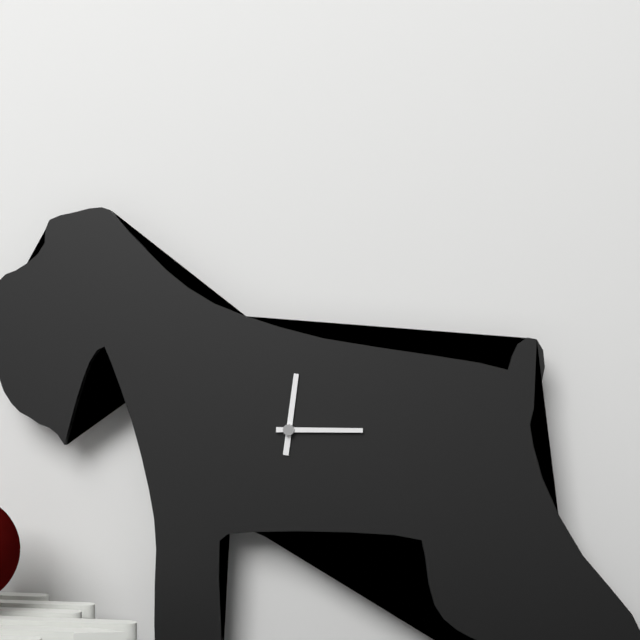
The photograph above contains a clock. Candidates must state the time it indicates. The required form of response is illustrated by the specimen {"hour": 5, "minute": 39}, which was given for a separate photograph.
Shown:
{"hour": 12, "minute": 15}
